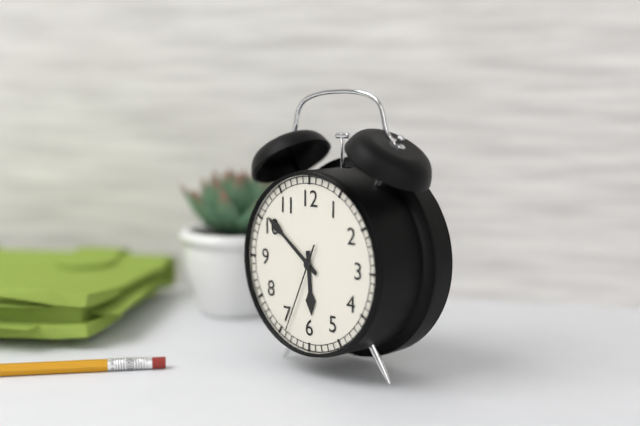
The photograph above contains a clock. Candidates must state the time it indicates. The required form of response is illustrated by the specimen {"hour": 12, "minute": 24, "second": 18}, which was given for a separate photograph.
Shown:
{"hour": 5, "minute": 51, "second": 34}
